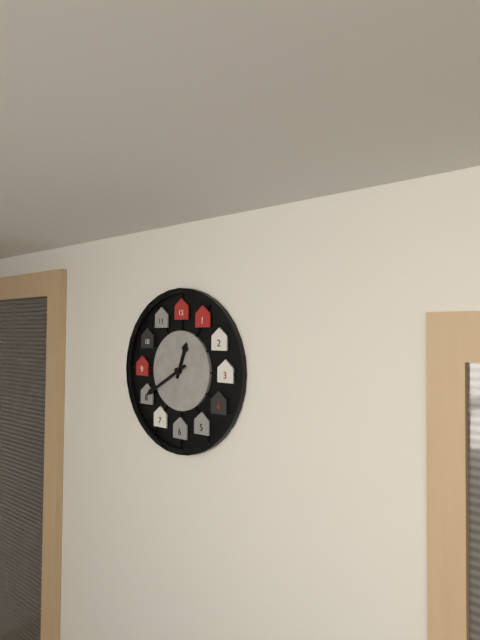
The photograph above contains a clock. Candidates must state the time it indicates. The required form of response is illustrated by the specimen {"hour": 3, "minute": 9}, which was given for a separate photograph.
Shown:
{"hour": 12, "minute": 40}
